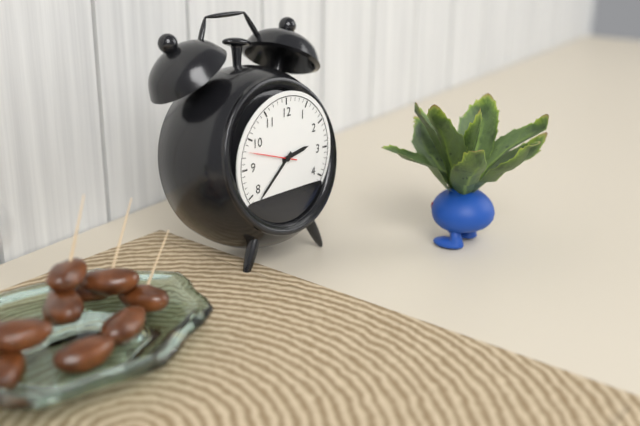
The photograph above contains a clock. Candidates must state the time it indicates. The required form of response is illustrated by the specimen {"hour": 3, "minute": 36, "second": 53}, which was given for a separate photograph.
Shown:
{"hour": 2, "minute": 38, "second": 48}
